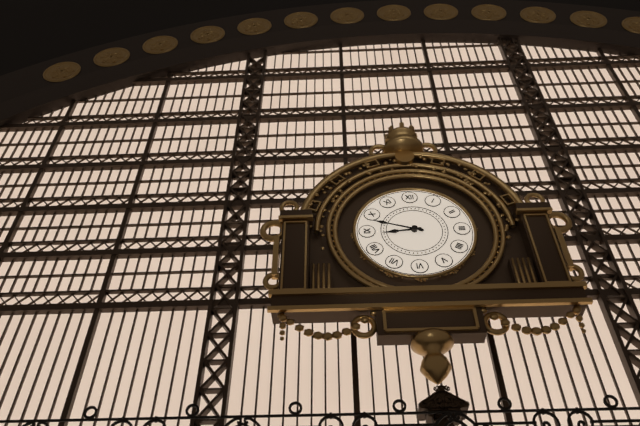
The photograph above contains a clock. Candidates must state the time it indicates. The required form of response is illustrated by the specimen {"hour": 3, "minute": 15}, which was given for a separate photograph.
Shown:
{"hour": 8, "minute": 48}
